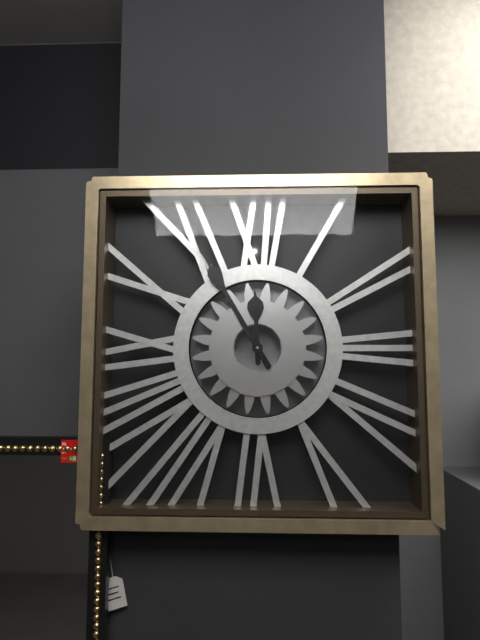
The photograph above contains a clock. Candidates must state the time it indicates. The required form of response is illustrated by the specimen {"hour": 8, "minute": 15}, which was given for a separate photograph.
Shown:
{"hour": 11, "minute": 55}
